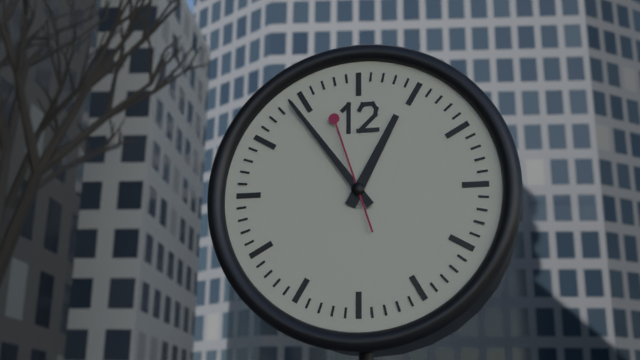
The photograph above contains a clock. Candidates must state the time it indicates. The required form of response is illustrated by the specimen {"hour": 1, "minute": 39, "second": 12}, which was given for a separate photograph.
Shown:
{"hour": 12, "minute": 54, "second": 57}
